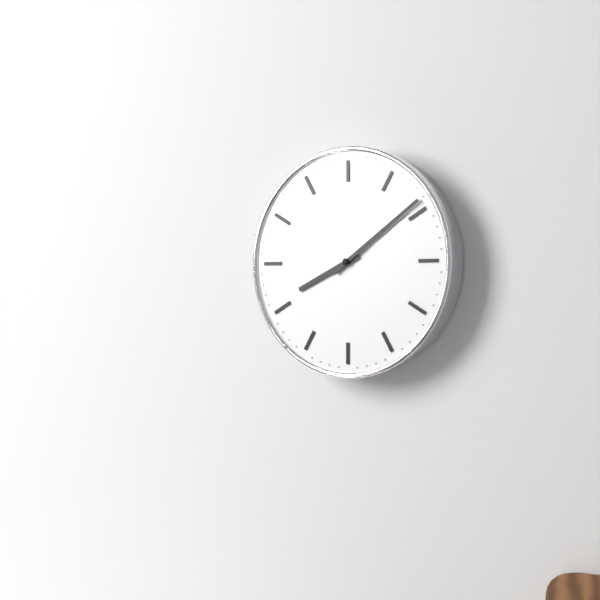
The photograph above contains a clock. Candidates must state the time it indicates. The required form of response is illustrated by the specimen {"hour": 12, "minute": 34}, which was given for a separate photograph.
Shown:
{"hour": 8, "minute": 9}
